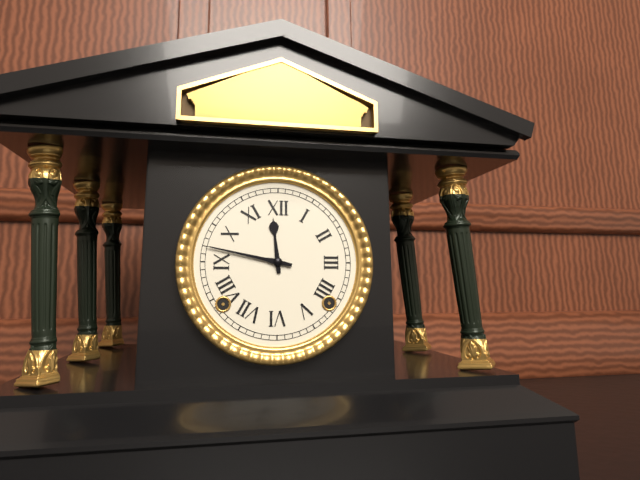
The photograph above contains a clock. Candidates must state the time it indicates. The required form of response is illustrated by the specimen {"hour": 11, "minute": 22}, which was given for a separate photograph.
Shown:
{"hour": 11, "minute": 47}
